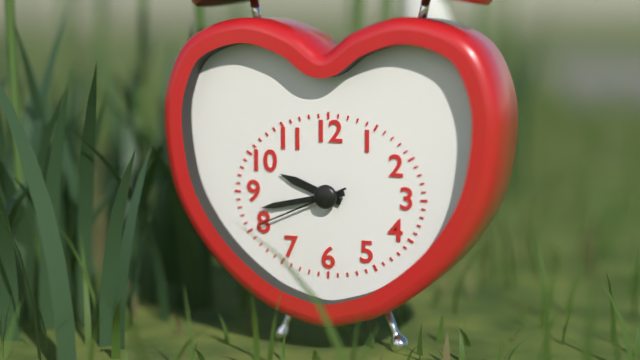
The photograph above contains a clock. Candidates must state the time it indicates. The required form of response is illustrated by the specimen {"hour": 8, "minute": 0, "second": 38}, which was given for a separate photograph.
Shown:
{"hour": 9, "minute": 43, "second": 41}
